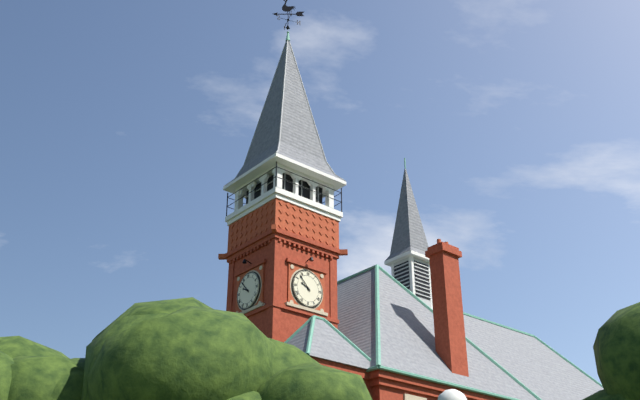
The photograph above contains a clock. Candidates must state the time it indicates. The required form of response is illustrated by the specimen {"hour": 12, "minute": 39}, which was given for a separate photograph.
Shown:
{"hour": 9, "minute": 53}
